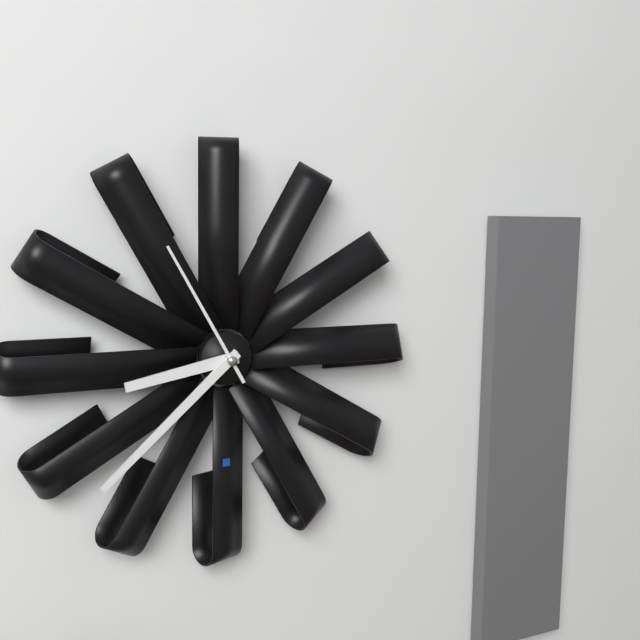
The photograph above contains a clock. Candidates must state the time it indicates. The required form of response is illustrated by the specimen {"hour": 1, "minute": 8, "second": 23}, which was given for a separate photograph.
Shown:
{"hour": 8, "minute": 38, "second": 55}
